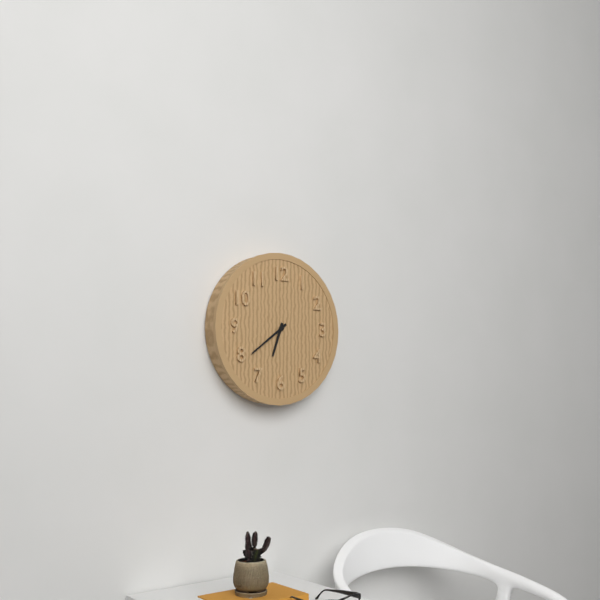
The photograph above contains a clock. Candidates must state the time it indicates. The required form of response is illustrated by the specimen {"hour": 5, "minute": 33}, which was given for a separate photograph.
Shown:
{"hour": 6, "minute": 39}
